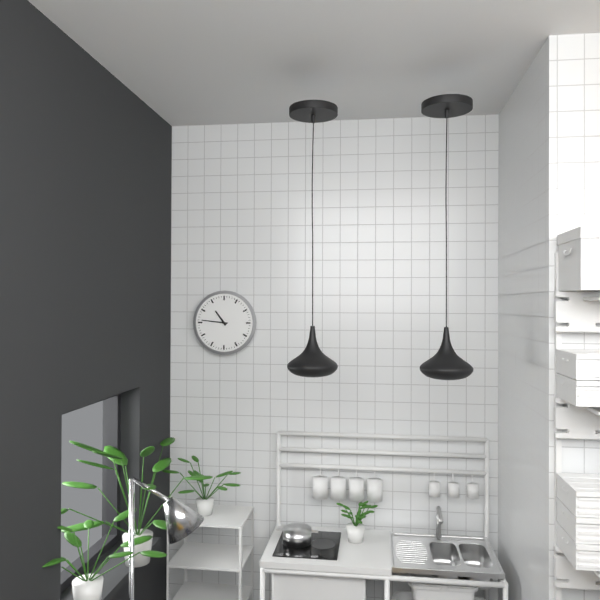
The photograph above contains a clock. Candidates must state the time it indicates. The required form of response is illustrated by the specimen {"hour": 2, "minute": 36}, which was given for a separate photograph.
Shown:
{"hour": 10, "minute": 46}
